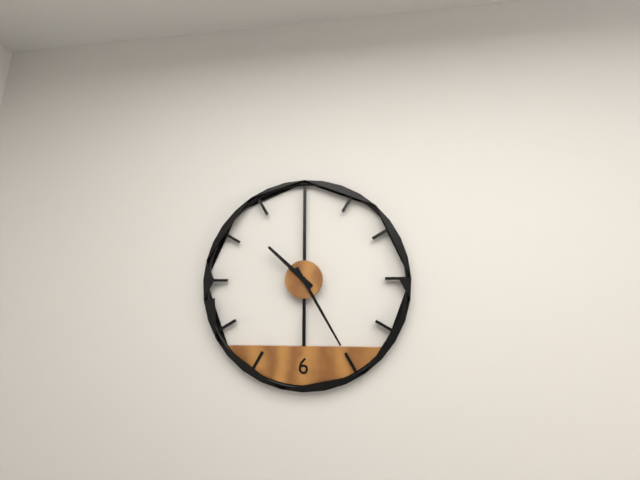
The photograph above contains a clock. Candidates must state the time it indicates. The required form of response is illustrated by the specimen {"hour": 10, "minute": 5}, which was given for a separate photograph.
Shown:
{"hour": 10, "minute": 25}
